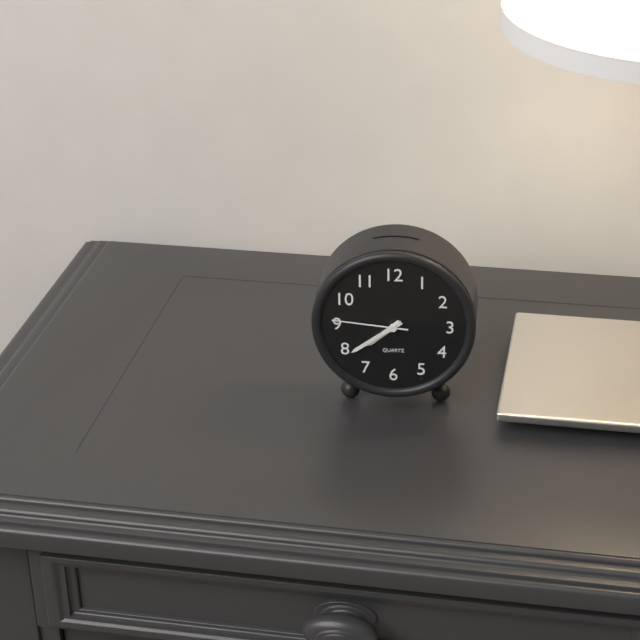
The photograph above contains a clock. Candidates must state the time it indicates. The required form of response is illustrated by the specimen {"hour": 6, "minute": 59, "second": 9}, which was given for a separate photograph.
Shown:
{"hour": 7, "minute": 39, "second": 46}
